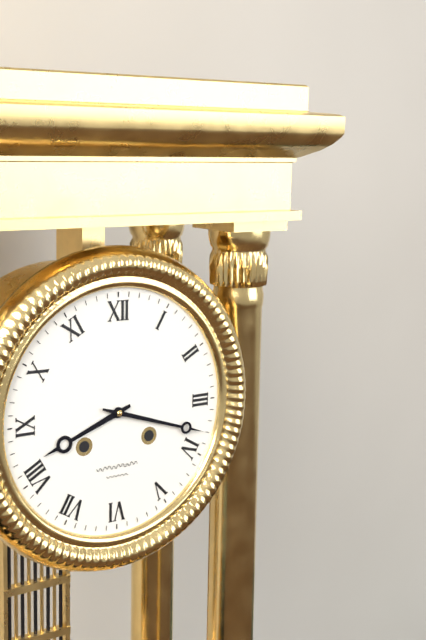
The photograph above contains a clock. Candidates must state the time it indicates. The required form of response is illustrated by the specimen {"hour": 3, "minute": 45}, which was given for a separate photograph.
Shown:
{"hour": 8, "minute": 18}
